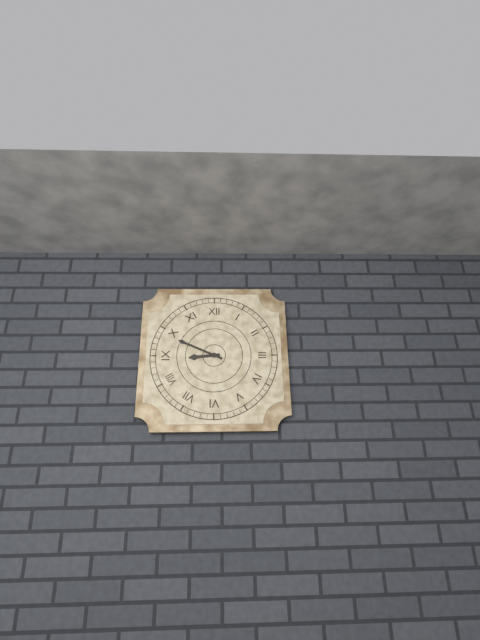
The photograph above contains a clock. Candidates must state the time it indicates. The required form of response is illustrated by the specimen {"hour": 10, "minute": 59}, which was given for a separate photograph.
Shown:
{"hour": 8, "minute": 49}
